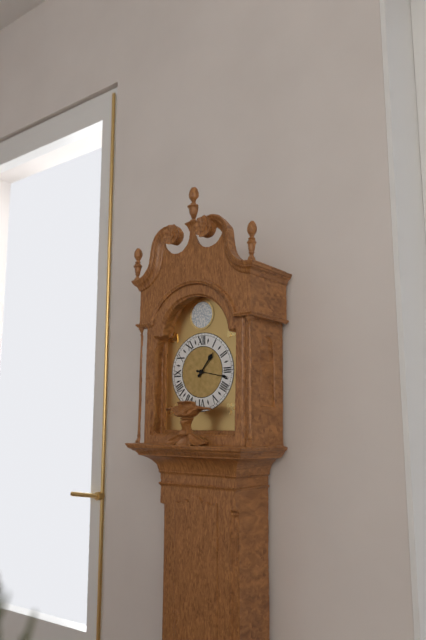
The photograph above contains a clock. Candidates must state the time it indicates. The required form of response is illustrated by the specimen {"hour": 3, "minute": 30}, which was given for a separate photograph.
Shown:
{"hour": 1, "minute": 17}
